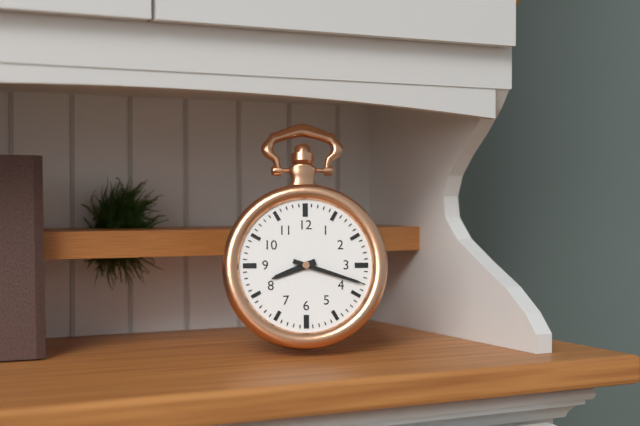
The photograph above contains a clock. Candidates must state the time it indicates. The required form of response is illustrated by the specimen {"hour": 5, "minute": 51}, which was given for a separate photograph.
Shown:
{"hour": 8, "minute": 18}
